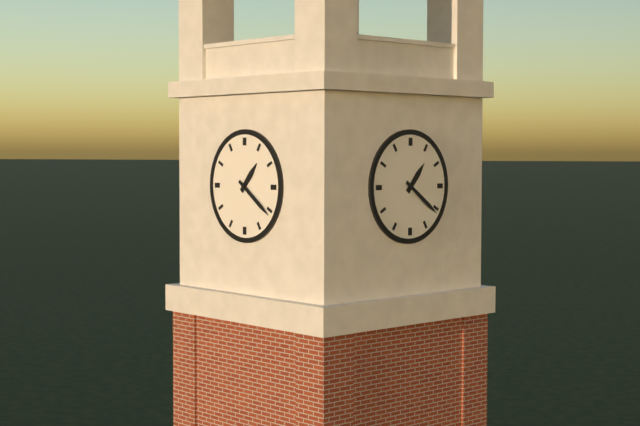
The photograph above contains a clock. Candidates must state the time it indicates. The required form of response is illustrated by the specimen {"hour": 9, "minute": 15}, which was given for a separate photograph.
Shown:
{"hour": 1, "minute": 21}
